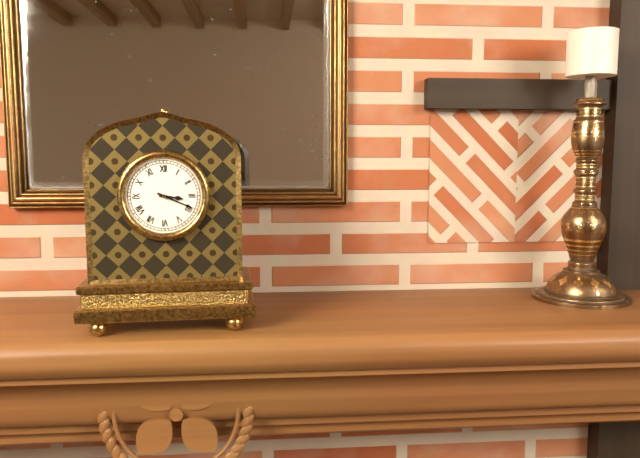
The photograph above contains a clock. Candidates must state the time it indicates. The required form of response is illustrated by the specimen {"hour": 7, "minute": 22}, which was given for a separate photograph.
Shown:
{"hour": 3, "minute": 19}
